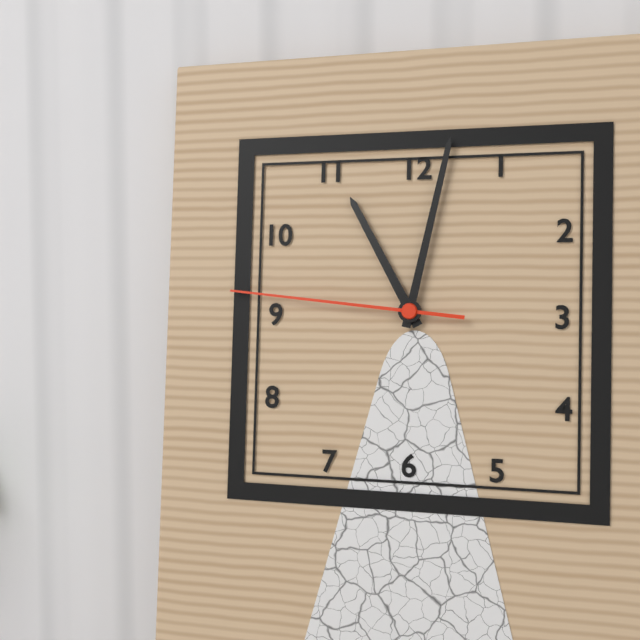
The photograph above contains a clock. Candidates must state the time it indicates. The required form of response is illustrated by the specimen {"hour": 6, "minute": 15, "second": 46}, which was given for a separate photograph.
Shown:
{"hour": 11, "minute": 2, "second": 46}
